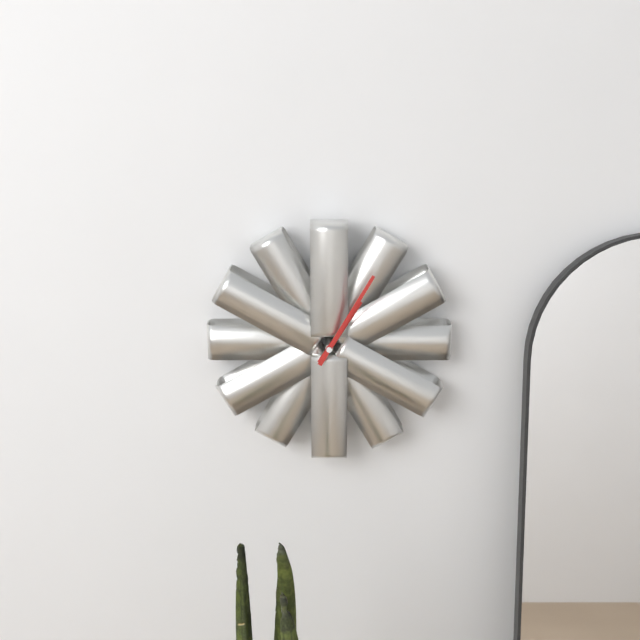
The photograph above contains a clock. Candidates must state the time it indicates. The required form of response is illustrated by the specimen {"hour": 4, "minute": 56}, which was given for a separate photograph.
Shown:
{"hour": 1, "minute": 5}
